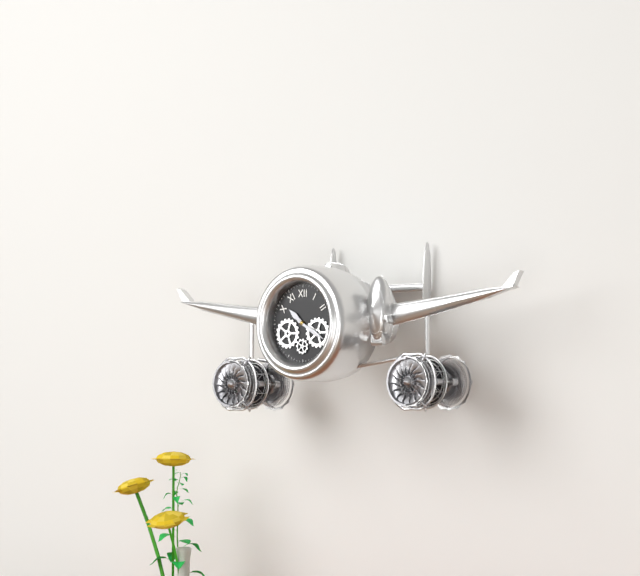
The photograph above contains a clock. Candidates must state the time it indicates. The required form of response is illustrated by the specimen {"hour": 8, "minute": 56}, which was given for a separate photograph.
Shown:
{"hour": 10, "minute": 20}
